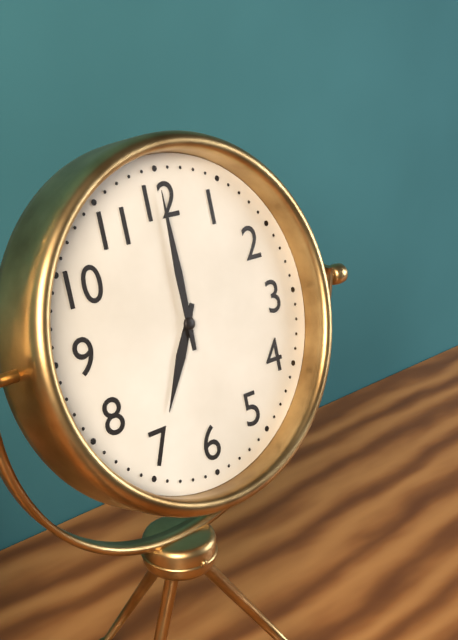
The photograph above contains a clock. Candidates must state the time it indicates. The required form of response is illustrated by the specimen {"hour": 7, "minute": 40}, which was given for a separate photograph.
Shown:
{"hour": 7, "minute": 0}
